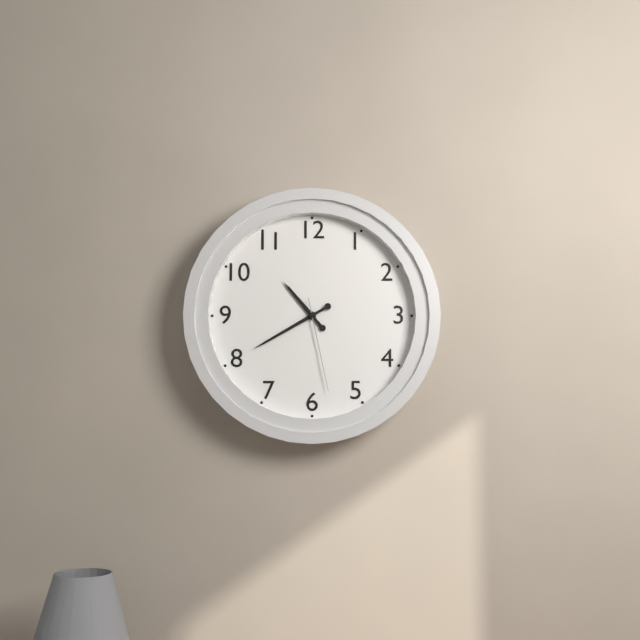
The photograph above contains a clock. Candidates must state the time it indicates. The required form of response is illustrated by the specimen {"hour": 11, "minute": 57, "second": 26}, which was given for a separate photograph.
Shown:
{"hour": 10, "minute": 40, "second": 28}
